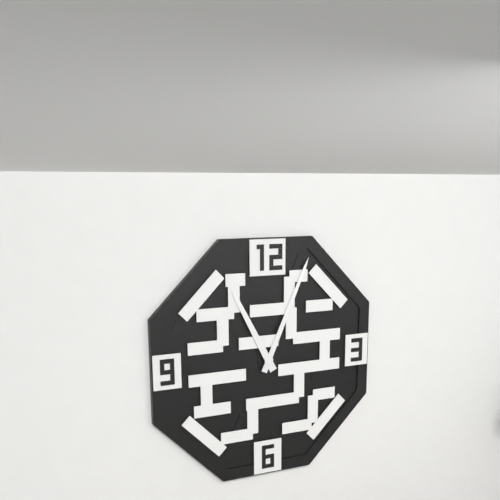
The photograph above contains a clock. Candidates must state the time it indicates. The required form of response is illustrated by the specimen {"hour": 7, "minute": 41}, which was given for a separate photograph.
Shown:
{"hour": 11, "minute": 4}
